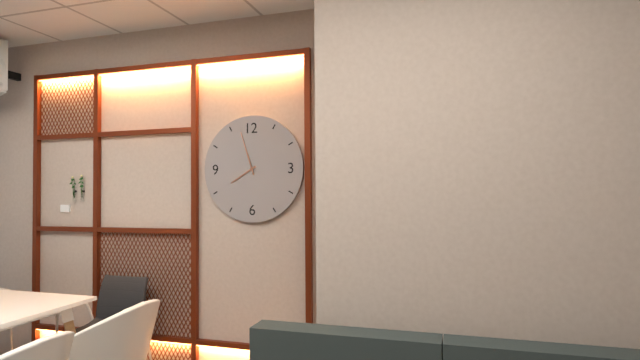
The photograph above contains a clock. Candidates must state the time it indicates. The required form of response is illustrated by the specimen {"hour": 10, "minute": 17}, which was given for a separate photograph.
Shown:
{"hour": 7, "minute": 57}
